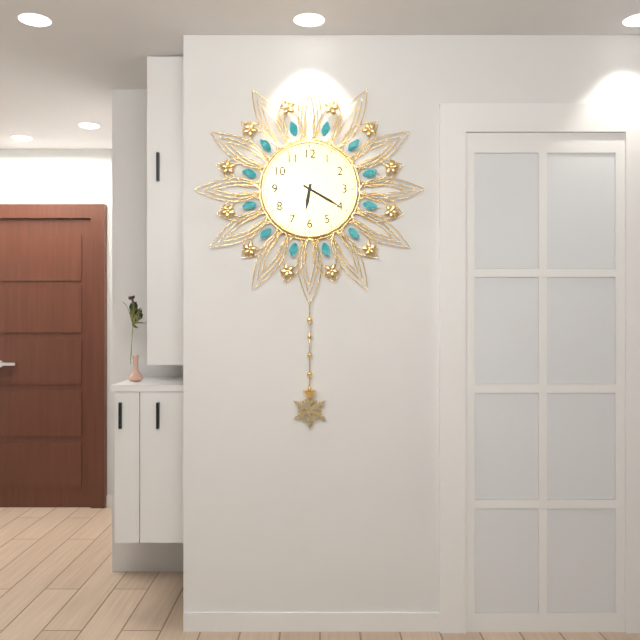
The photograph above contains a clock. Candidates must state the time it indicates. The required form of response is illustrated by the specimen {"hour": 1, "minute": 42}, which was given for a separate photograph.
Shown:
{"hour": 6, "minute": 20}
